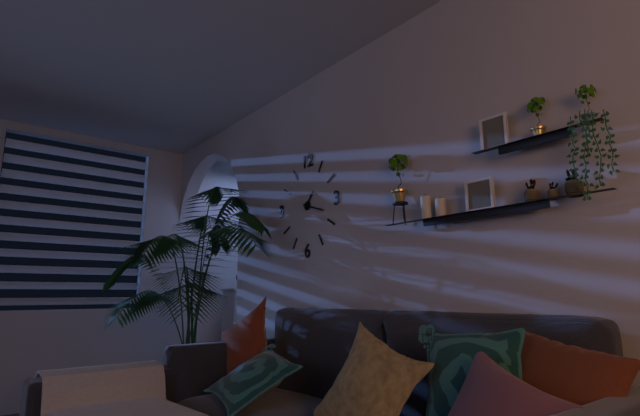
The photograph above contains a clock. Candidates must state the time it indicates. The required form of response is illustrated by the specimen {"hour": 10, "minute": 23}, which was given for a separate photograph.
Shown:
{"hour": 1, "minute": 18}
